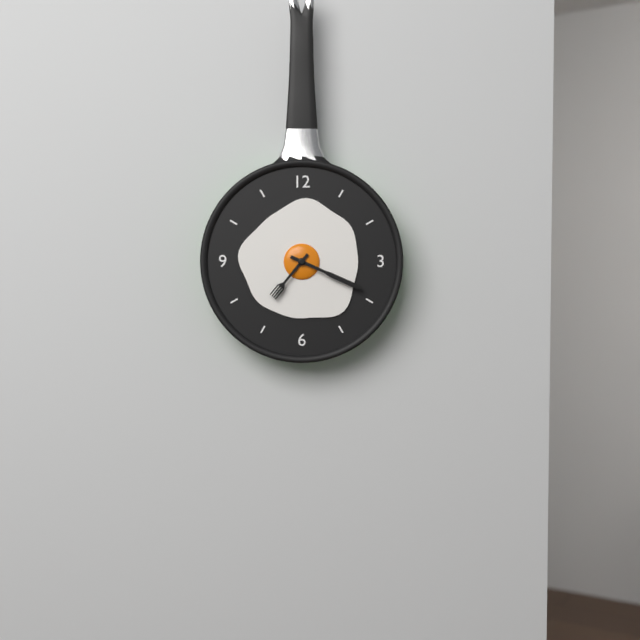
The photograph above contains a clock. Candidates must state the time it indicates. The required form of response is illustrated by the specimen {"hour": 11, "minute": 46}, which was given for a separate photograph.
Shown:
{"hour": 7, "minute": 19}
